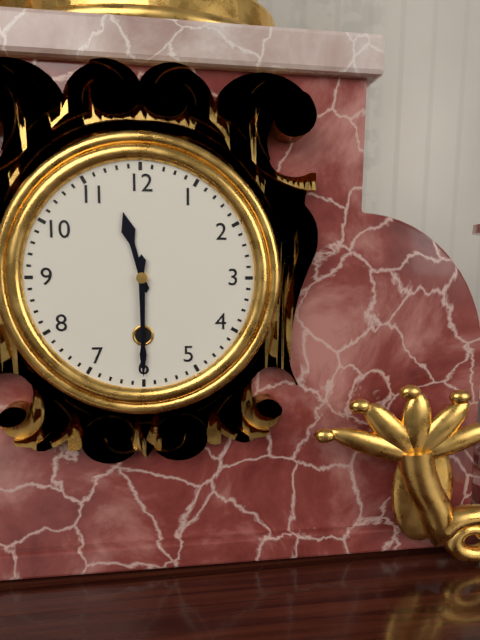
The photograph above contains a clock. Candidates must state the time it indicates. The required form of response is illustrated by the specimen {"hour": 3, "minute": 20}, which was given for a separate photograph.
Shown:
{"hour": 11, "minute": 30}
